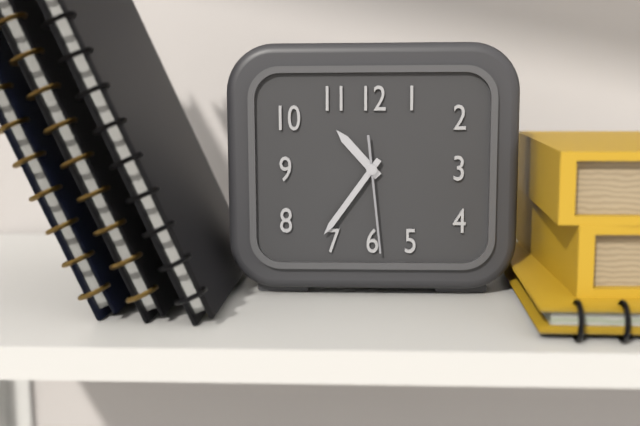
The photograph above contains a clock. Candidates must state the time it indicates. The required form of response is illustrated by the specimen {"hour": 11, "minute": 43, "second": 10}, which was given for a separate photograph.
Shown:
{"hour": 10, "minute": 36, "second": 29}
